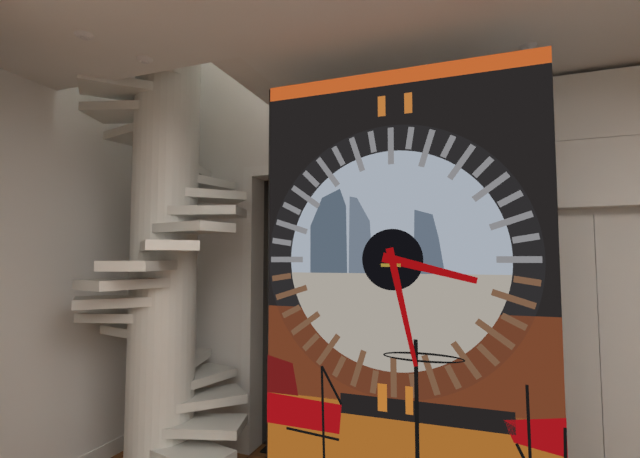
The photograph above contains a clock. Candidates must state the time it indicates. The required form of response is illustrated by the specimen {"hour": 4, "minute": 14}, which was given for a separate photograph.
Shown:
{"hour": 3, "minute": 28}
